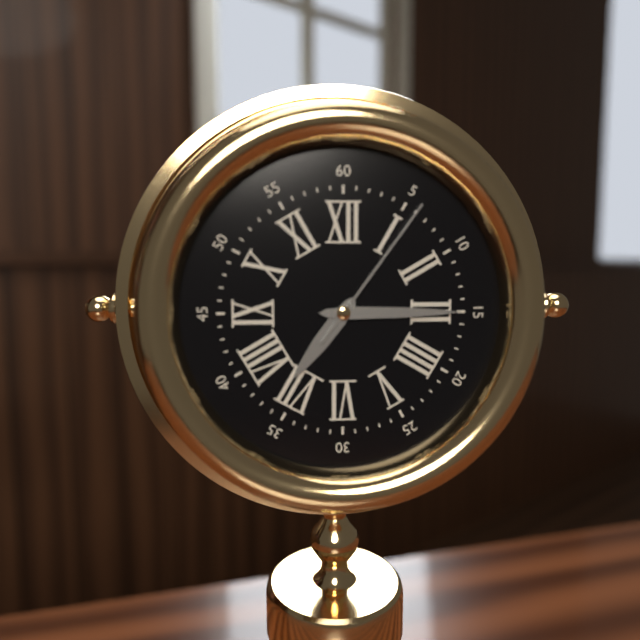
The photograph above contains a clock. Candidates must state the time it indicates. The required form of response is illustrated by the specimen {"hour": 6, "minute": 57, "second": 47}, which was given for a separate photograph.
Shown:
{"hour": 7, "minute": 15, "second": 6}
